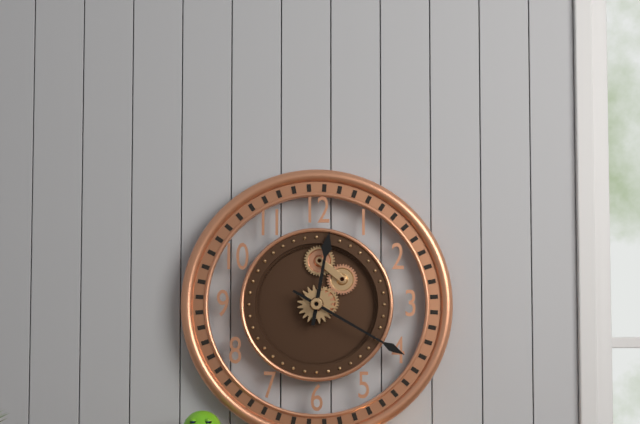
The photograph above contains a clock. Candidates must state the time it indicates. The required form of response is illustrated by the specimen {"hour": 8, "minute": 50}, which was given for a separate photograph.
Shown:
{"hour": 12, "minute": 20}
